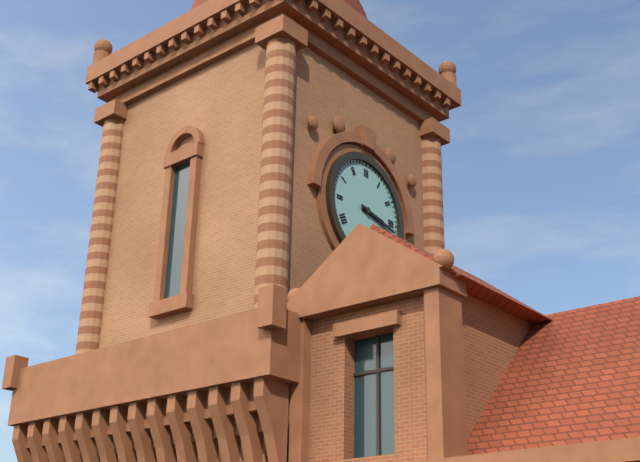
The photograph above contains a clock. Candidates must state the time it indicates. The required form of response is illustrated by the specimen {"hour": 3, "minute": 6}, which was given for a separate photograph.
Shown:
{"hour": 3, "minute": 17}
